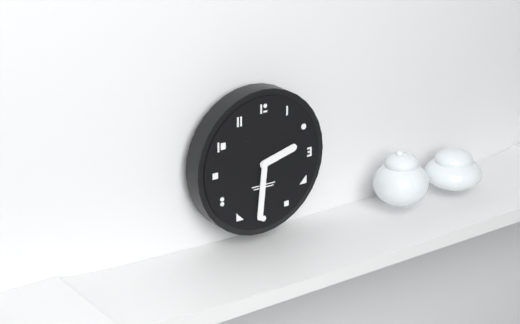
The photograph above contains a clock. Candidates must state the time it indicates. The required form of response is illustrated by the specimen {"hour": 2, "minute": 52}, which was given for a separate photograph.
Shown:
{"hour": 2, "minute": 31}
